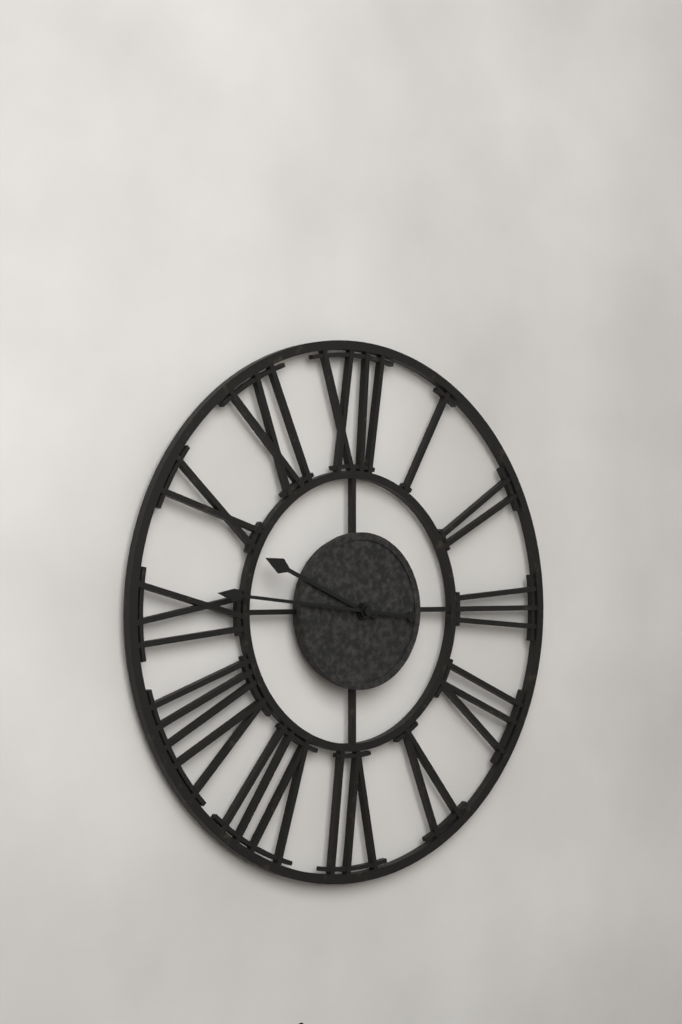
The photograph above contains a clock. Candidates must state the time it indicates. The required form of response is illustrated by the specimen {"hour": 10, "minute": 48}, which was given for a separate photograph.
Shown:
{"hour": 9, "minute": 46}
